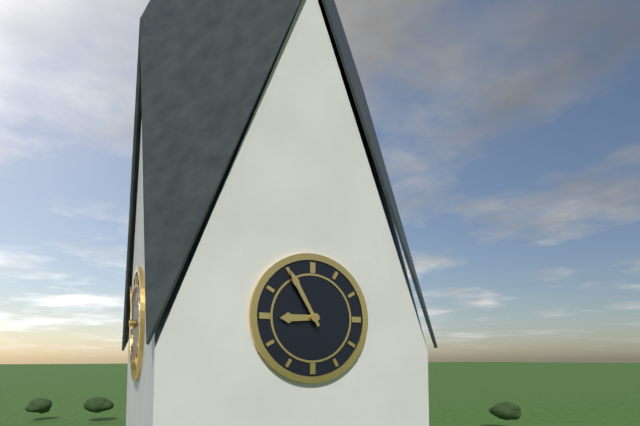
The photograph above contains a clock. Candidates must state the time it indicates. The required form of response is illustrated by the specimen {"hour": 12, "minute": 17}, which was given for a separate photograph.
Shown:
{"hour": 8, "minute": 55}
